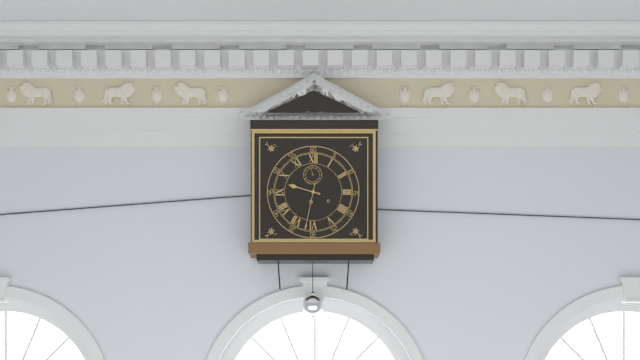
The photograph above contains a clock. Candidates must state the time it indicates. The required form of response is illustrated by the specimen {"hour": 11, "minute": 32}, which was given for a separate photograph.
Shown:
{"hour": 9, "minute": 32}
